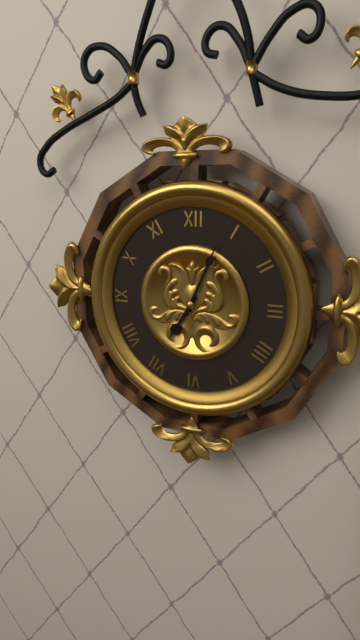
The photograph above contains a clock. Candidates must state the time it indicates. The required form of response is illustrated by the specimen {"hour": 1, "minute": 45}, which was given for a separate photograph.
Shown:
{"hour": 7, "minute": 4}
